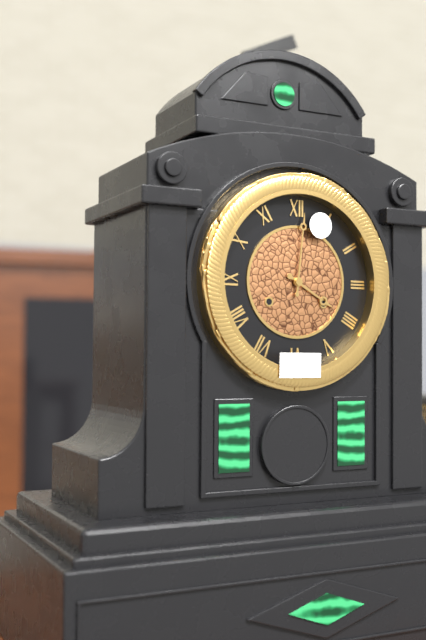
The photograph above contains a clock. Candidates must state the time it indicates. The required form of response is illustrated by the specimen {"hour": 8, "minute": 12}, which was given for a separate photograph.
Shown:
{"hour": 4, "minute": 1}
